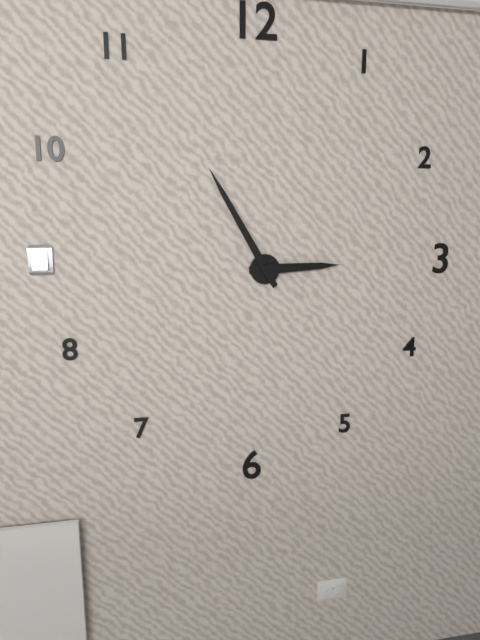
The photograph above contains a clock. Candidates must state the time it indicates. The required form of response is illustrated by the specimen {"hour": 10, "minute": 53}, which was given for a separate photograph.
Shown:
{"hour": 2, "minute": 55}
